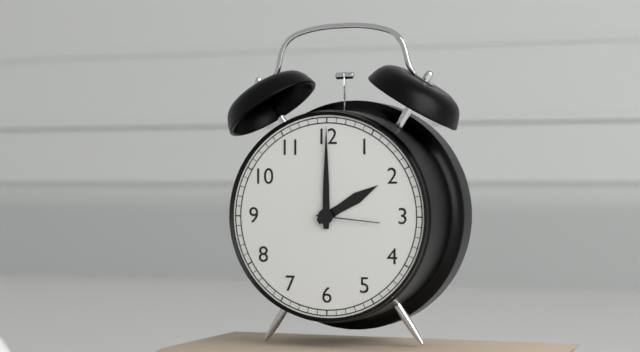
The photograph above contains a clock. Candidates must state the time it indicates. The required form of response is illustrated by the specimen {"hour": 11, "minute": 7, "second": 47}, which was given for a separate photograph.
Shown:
{"hour": 2, "minute": 0, "second": 16}
